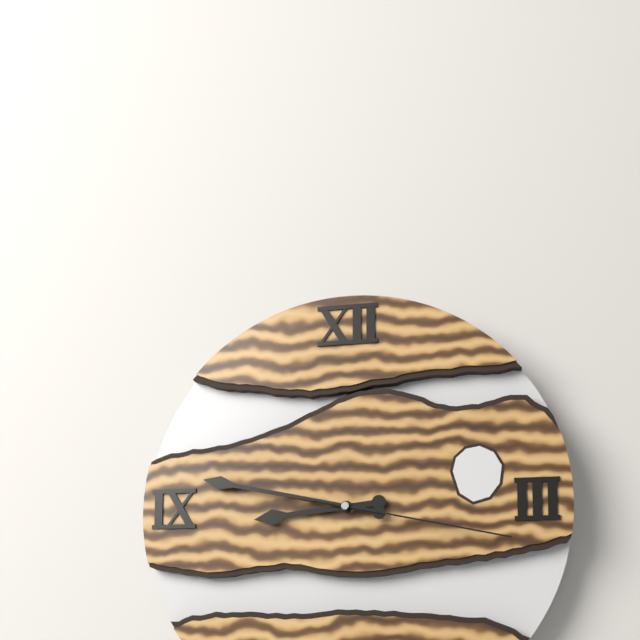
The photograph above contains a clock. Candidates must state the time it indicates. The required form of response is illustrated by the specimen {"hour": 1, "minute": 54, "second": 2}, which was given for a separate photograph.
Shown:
{"hour": 8, "minute": 47, "second": 17}
